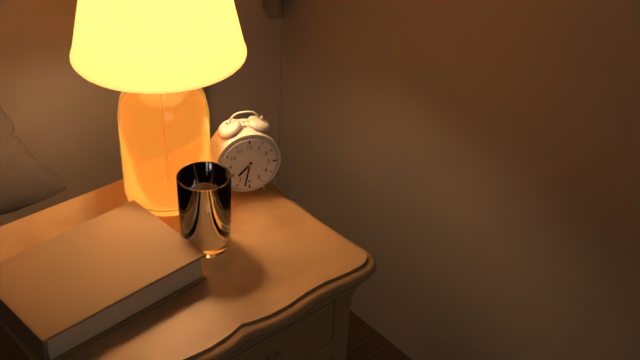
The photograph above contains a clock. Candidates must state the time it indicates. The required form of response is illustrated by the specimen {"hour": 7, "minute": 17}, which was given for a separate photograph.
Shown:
{"hour": 7, "minute": 32}
